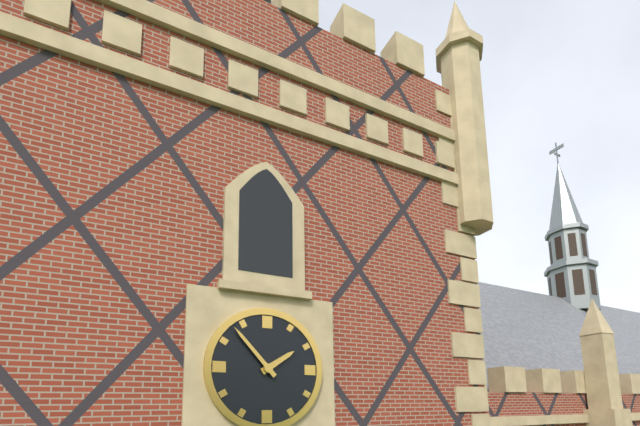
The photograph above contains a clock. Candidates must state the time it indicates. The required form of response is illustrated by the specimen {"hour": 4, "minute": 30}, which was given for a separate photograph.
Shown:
{"hour": 1, "minute": 53}
